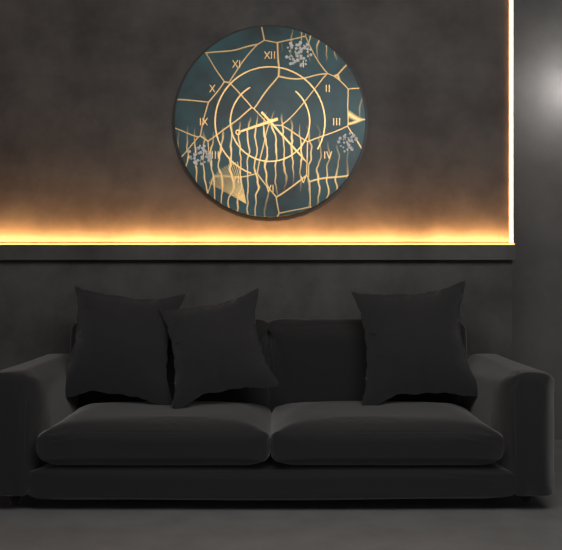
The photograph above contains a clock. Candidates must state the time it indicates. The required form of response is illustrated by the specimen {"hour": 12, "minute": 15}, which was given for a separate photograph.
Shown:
{"hour": 8, "minute": 23}
